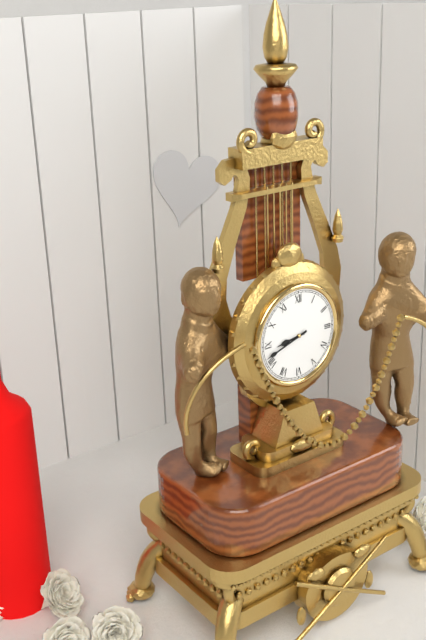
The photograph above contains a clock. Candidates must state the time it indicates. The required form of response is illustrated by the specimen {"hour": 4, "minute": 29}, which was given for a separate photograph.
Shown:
{"hour": 8, "minute": 42}
